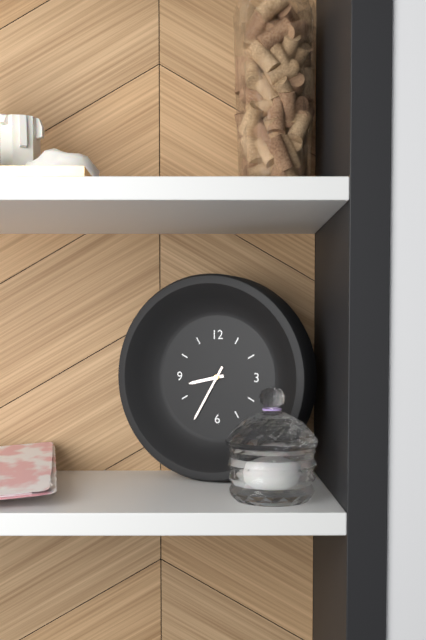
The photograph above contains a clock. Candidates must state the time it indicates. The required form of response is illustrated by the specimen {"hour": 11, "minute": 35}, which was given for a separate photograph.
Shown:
{"hour": 8, "minute": 35}
